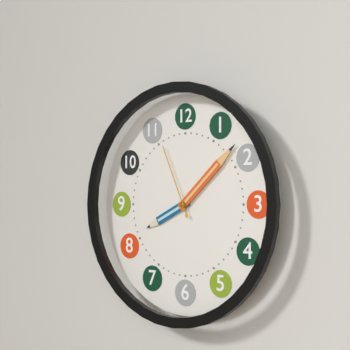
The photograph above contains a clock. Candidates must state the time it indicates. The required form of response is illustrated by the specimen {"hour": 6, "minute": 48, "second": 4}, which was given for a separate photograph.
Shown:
{"hour": 8, "minute": 8, "second": 56}
